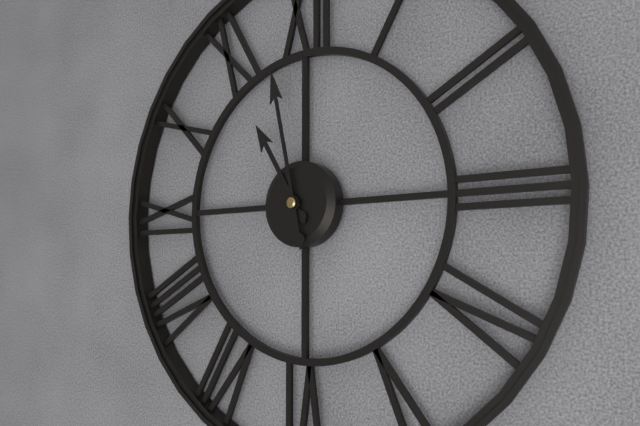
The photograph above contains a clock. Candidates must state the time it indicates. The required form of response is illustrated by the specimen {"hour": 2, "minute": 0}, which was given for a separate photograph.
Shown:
{"hour": 10, "minute": 58}
